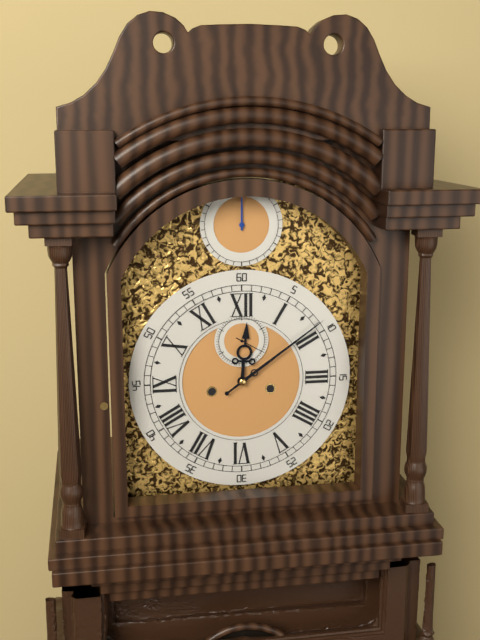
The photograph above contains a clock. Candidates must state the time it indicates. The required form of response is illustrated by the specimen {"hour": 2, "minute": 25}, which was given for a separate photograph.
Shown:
{"hour": 12, "minute": 9}
